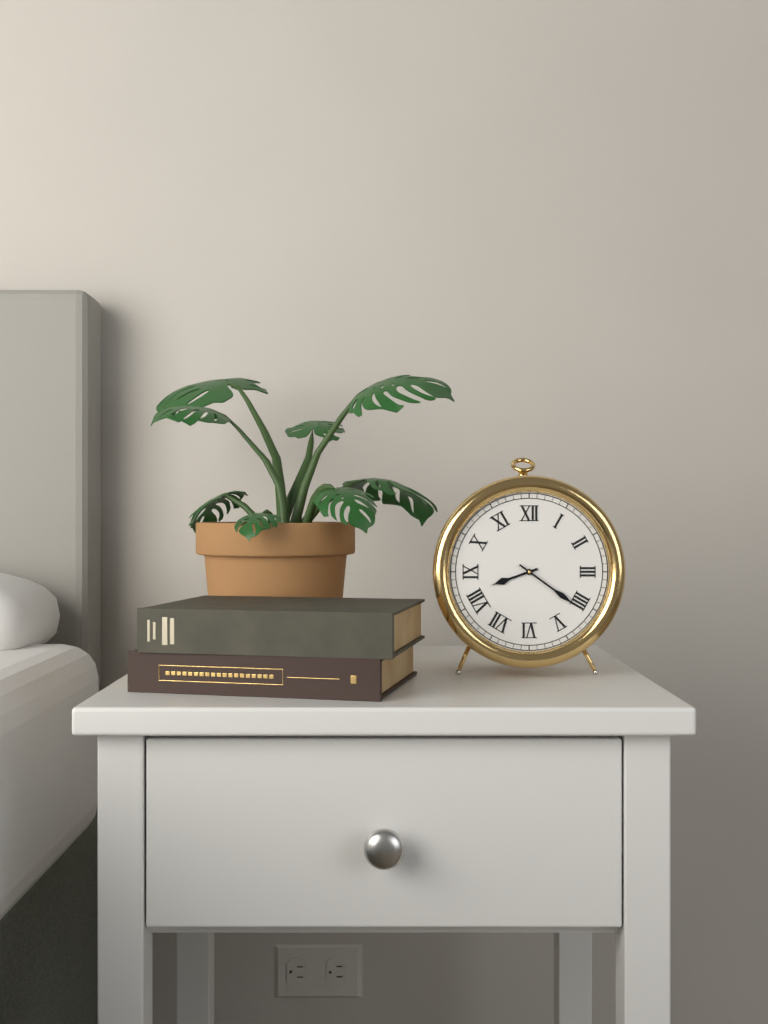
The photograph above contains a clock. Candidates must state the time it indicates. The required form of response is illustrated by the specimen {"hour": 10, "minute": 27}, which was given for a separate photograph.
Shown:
{"hour": 8, "minute": 21}
